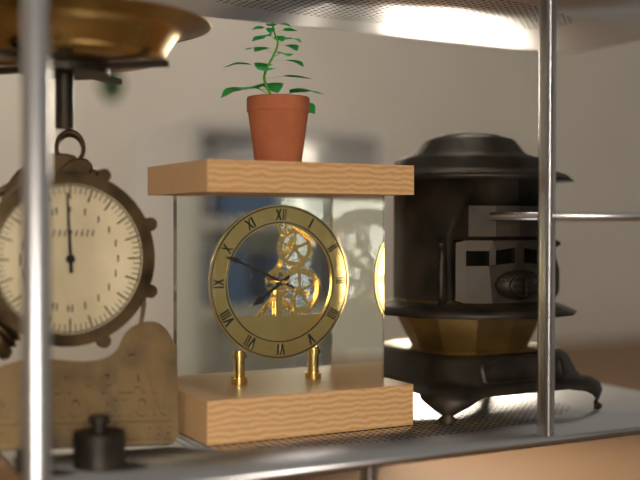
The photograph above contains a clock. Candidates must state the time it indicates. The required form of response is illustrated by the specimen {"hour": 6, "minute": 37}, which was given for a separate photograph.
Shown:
{"hour": 7, "minute": 49}
